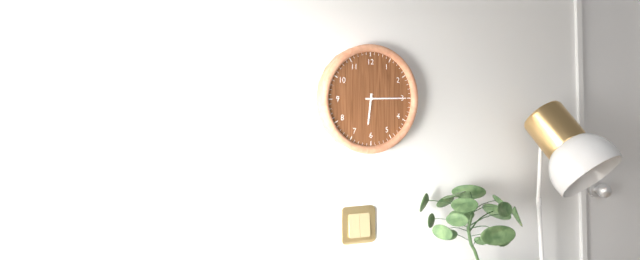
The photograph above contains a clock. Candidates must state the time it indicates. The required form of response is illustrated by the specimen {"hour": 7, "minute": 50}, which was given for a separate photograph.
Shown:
{"hour": 6, "minute": 15}
